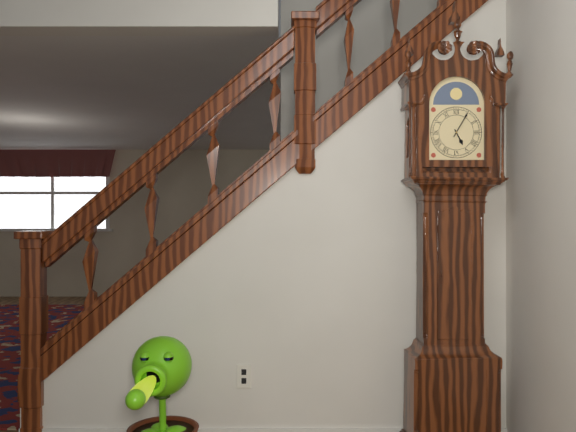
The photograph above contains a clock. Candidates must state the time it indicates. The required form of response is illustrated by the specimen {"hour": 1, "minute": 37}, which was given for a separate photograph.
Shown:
{"hour": 5, "minute": 5}
